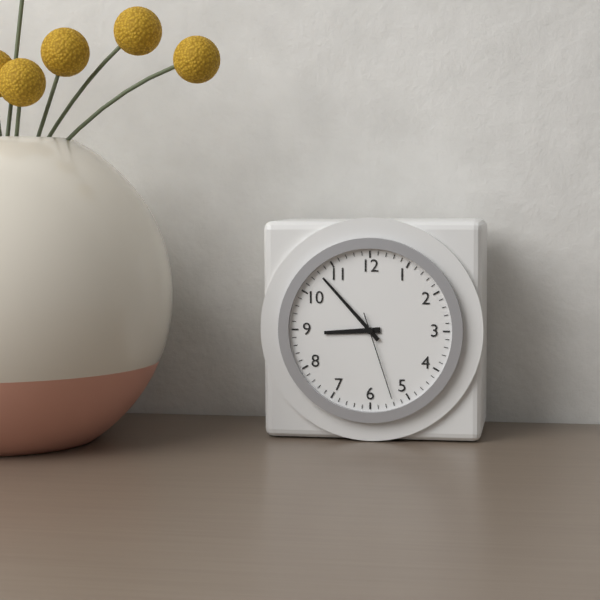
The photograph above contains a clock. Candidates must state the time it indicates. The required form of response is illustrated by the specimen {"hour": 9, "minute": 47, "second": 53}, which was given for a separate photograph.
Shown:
{"hour": 8, "minute": 53, "second": 27}
